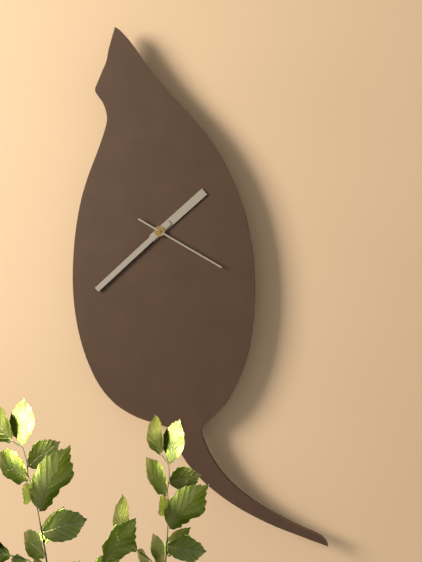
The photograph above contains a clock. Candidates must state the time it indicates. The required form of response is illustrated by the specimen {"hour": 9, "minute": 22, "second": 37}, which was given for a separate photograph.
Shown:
{"hour": 1, "minute": 38, "second": 20}
